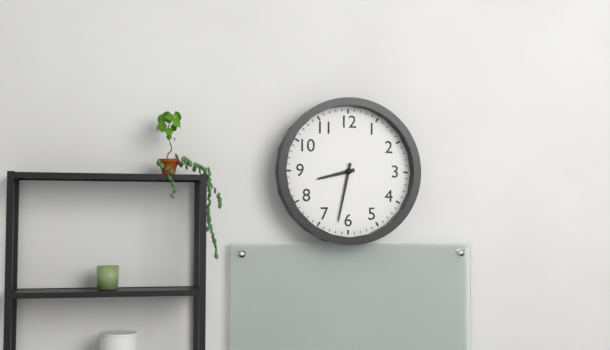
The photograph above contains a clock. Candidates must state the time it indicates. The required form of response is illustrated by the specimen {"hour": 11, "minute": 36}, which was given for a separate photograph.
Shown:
{"hour": 8, "minute": 32}
